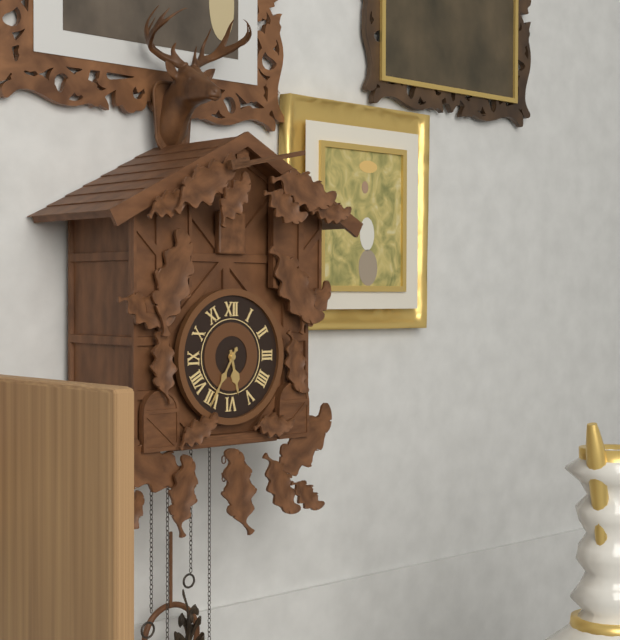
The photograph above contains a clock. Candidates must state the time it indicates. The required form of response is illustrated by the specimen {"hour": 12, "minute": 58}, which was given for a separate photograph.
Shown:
{"hour": 5, "minute": 35}
